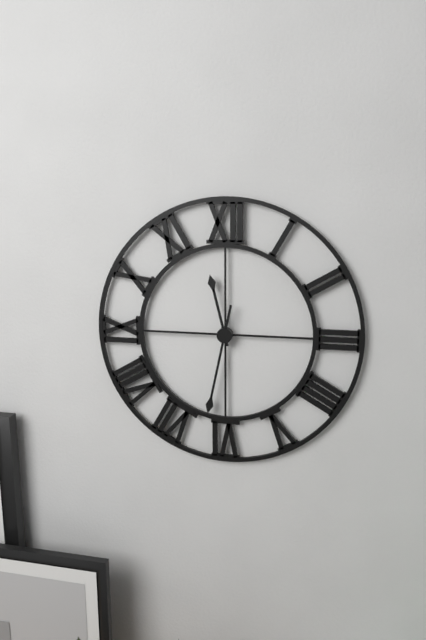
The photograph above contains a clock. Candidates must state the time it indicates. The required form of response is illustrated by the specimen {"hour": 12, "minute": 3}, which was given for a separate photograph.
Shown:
{"hour": 11, "minute": 32}
